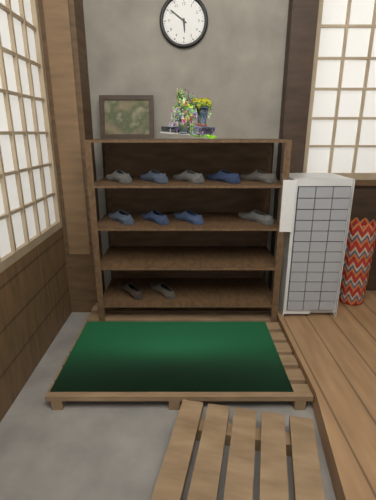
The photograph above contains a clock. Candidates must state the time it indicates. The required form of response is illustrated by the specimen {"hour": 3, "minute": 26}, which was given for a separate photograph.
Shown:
{"hour": 5, "minute": 51}
